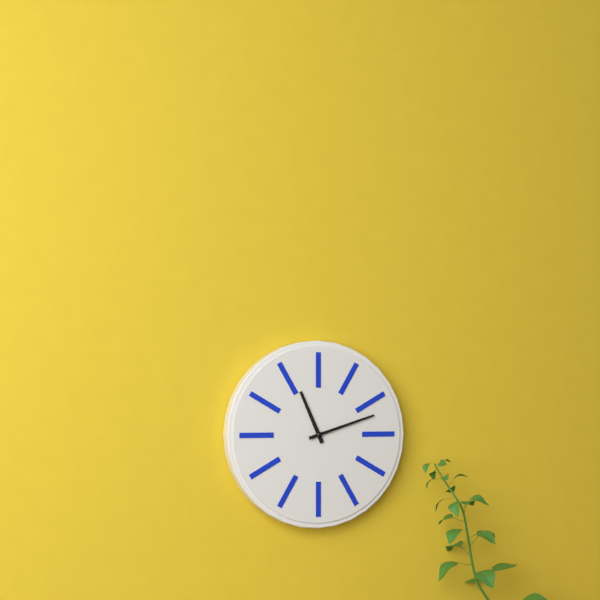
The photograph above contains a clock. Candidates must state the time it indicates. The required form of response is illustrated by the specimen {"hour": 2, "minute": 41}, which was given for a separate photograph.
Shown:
{"hour": 11, "minute": 12}
